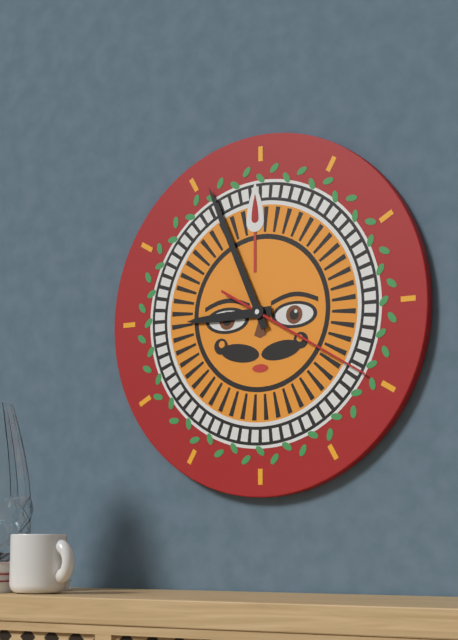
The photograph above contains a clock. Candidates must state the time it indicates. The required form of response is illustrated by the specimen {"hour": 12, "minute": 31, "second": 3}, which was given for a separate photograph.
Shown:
{"hour": 8, "minute": 56, "second": 20}
